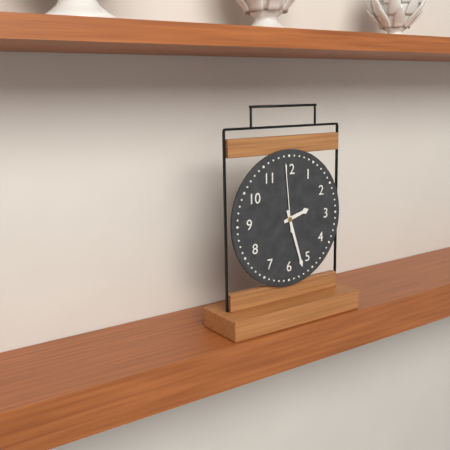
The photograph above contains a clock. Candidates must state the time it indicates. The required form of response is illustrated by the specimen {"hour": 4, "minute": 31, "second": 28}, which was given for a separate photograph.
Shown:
{"hour": 2, "minute": 27, "second": 59}
